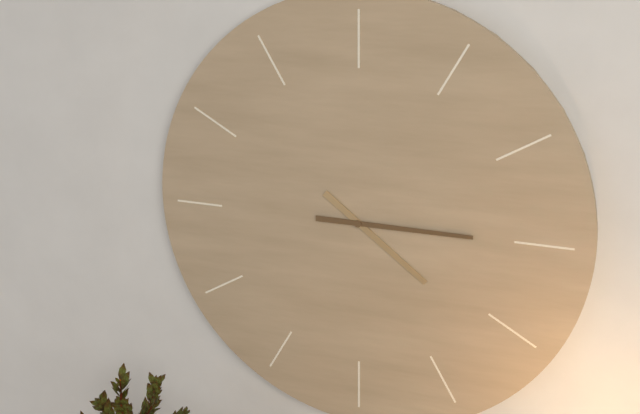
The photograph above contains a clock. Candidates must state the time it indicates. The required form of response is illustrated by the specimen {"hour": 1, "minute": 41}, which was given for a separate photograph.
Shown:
{"hour": 4, "minute": 15}
